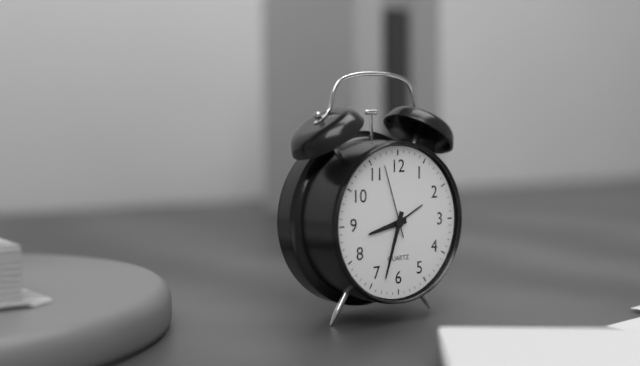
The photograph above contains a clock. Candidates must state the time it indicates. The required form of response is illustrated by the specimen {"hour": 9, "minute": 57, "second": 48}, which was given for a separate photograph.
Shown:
{"hour": 8, "minute": 33, "second": 57}
